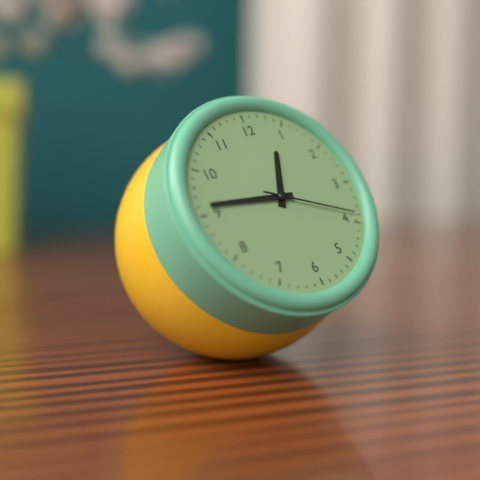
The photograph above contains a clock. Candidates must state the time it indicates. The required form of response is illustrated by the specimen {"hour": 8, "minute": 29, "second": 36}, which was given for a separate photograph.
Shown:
{"hour": 12, "minute": 46, "second": 19}
